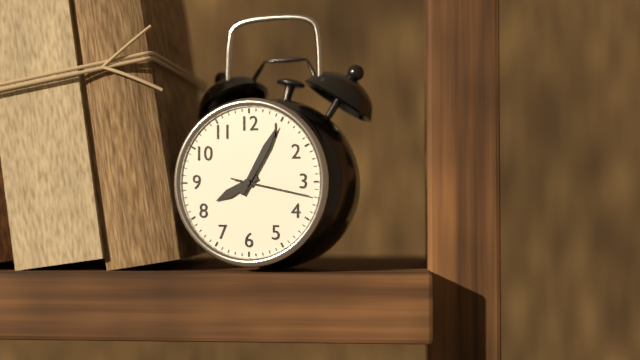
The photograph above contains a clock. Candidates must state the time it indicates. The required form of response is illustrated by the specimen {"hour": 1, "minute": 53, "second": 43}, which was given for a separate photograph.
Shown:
{"hour": 8, "minute": 5, "second": 17}
